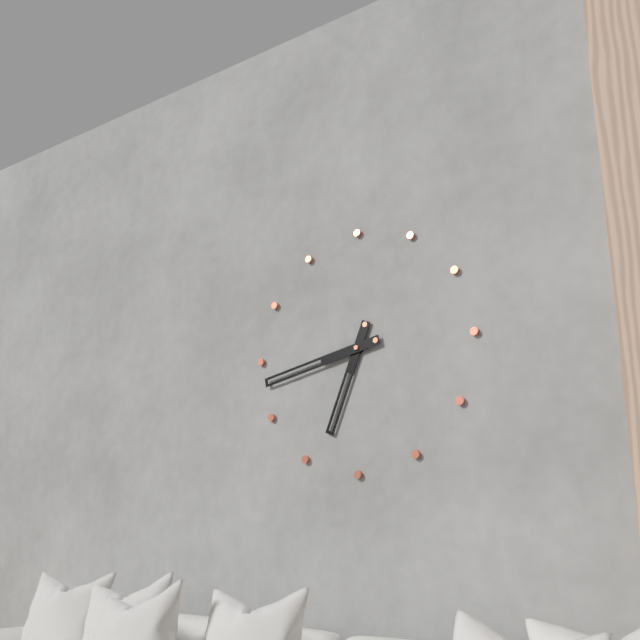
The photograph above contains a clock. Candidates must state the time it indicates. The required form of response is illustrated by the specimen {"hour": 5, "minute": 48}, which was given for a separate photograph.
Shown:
{"hour": 6, "minute": 43}
